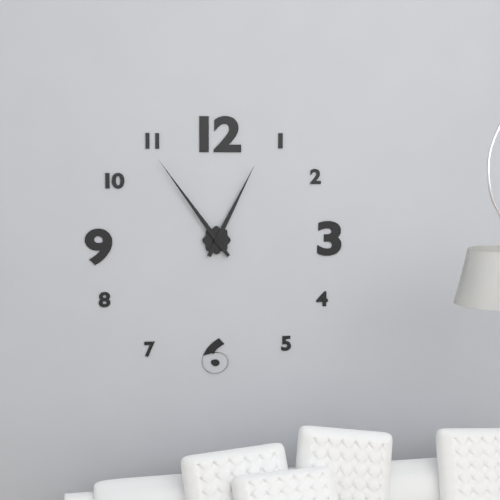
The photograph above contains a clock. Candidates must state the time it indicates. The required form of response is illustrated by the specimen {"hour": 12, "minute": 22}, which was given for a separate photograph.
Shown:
{"hour": 12, "minute": 54}
